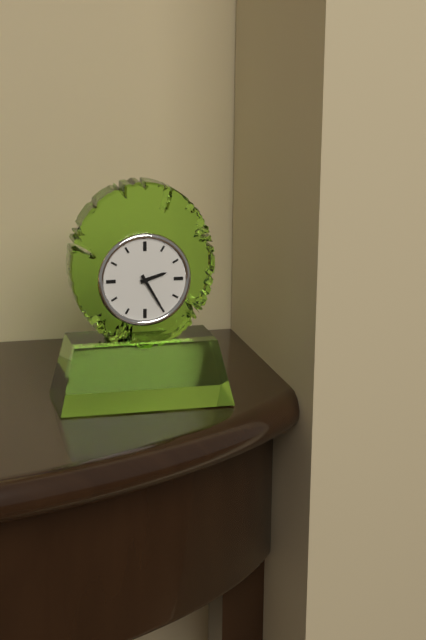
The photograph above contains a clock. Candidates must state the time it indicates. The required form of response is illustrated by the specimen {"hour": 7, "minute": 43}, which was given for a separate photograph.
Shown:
{"hour": 2, "minute": 25}
